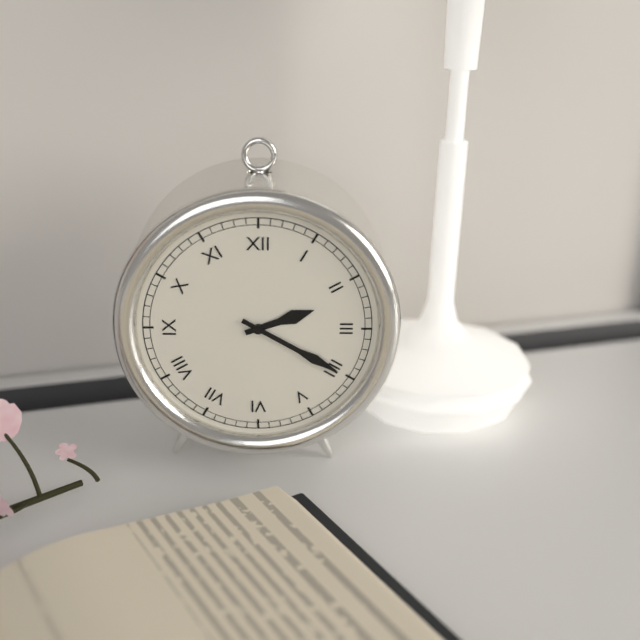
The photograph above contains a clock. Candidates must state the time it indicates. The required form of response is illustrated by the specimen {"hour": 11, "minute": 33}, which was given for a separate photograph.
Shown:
{"hour": 2, "minute": 20}
